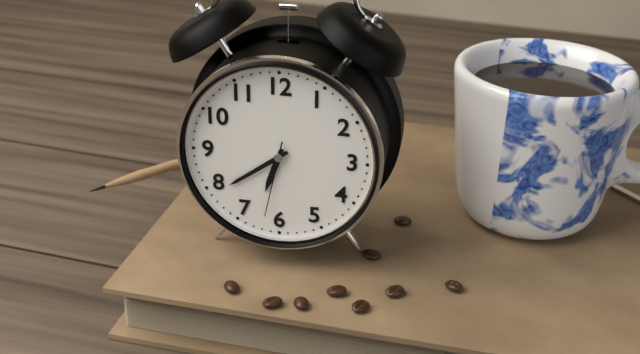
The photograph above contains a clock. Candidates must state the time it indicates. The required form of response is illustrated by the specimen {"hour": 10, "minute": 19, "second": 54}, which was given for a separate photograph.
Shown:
{"hour": 6, "minute": 39, "second": 32}
